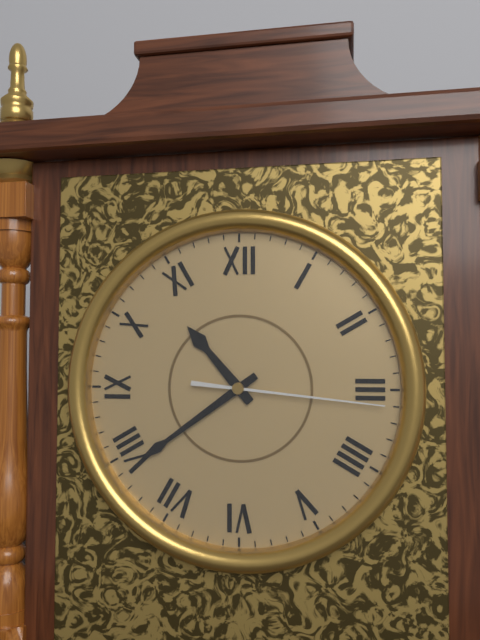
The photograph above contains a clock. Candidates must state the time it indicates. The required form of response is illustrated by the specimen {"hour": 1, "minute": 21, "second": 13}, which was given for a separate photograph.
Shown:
{"hour": 10, "minute": 39, "second": 16}
